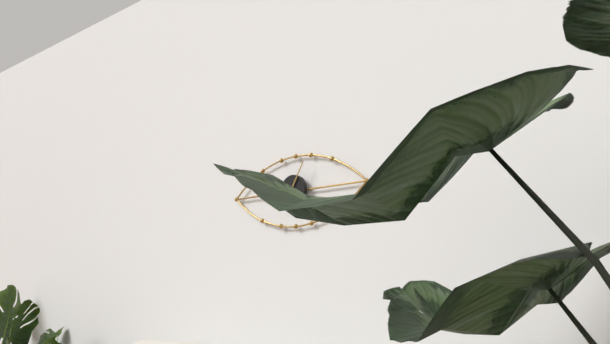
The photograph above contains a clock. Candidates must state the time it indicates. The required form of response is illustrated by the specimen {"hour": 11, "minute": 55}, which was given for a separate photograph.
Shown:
{"hour": 10, "minute": 5}
